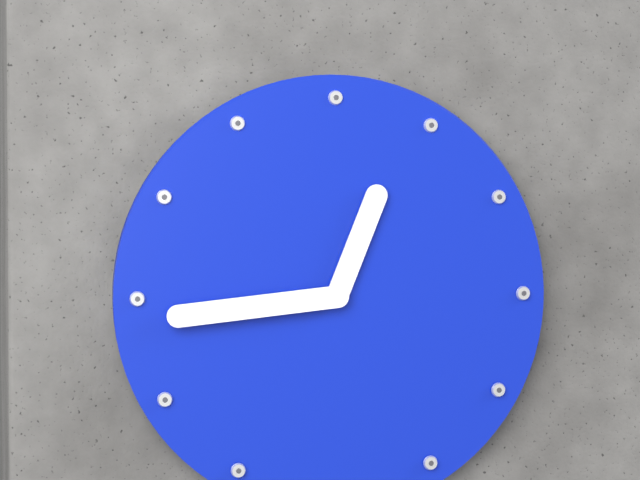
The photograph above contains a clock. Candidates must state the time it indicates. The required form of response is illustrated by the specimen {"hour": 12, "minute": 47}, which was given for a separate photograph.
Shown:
{"hour": 12, "minute": 44}
